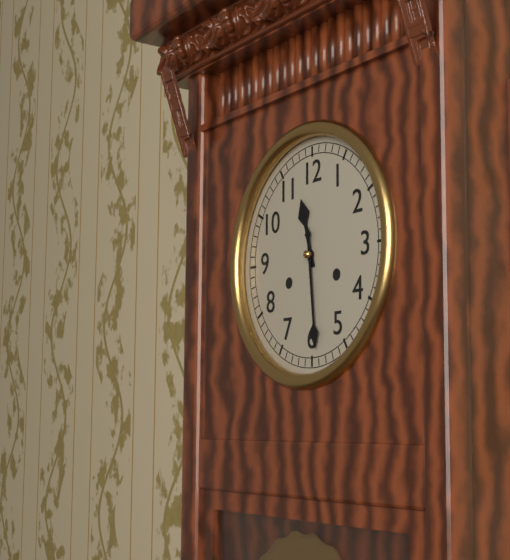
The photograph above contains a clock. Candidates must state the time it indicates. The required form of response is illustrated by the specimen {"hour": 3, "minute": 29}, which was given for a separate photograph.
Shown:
{"hour": 11, "minute": 29}
